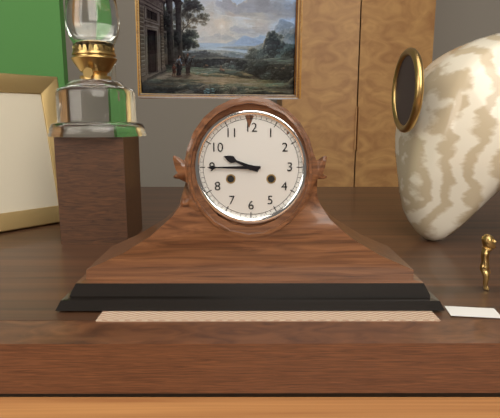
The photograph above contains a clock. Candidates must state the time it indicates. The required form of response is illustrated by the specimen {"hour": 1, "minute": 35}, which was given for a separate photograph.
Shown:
{"hour": 9, "minute": 45}
